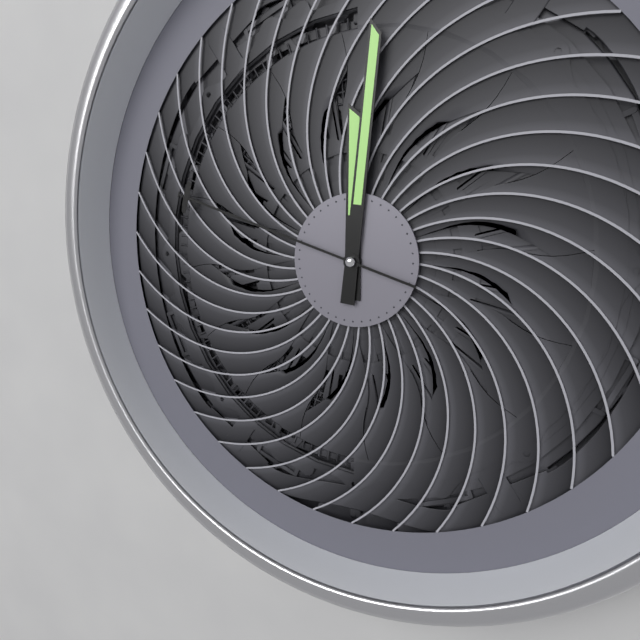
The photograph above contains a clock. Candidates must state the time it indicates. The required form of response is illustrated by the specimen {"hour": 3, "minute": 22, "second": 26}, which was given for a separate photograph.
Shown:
{"hour": 12, "minute": 1, "second": 48}
